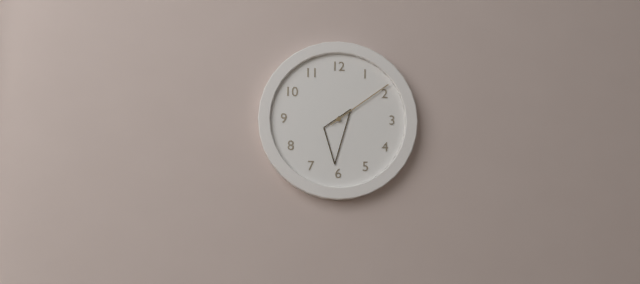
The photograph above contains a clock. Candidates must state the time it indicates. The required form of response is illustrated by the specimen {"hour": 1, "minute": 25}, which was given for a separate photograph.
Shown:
{"hour": 6, "minute": 9}
